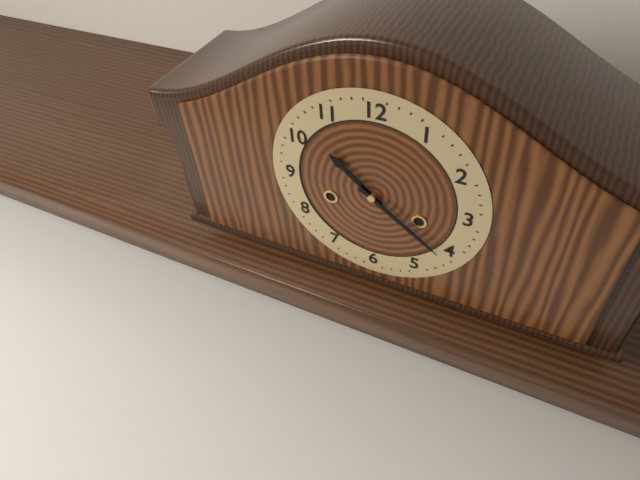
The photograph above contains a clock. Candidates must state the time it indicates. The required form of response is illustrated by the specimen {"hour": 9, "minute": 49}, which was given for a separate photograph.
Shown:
{"hour": 10, "minute": 21}
